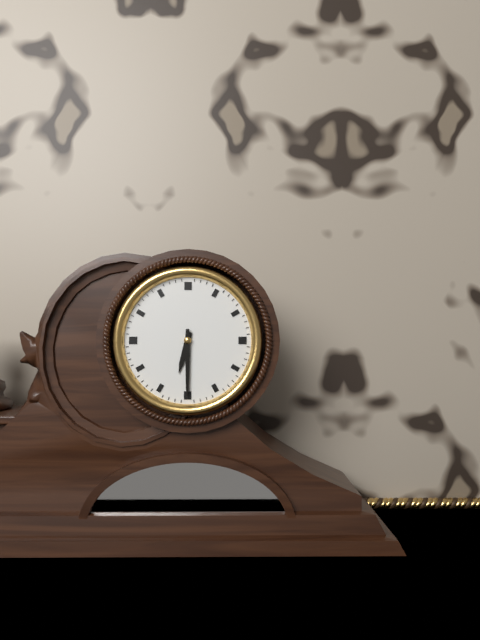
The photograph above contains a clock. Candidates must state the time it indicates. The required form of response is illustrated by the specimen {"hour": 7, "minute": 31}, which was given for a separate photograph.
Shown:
{"hour": 6, "minute": 30}
